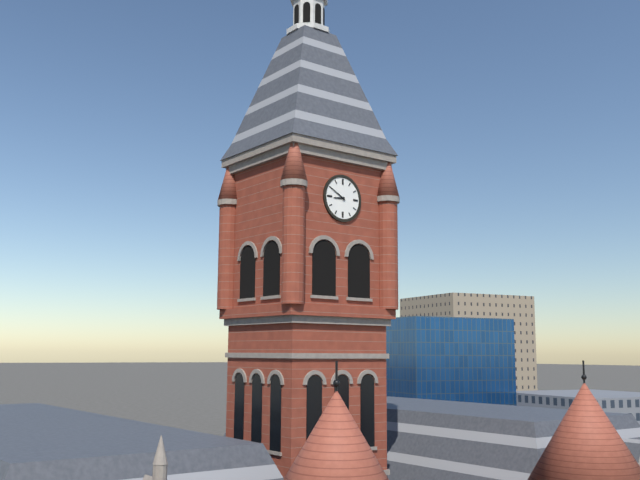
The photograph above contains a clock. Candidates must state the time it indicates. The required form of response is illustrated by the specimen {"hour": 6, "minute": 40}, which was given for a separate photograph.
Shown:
{"hour": 8, "minute": 50}
